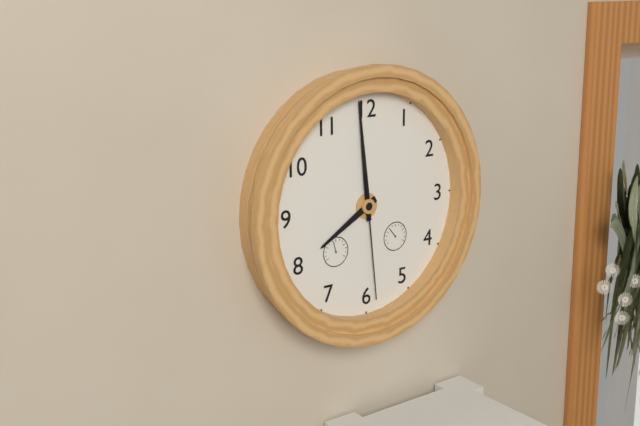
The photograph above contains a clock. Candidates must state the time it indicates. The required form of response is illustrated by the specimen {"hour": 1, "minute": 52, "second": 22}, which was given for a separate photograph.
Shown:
{"hour": 7, "minute": 59, "second": 29}
